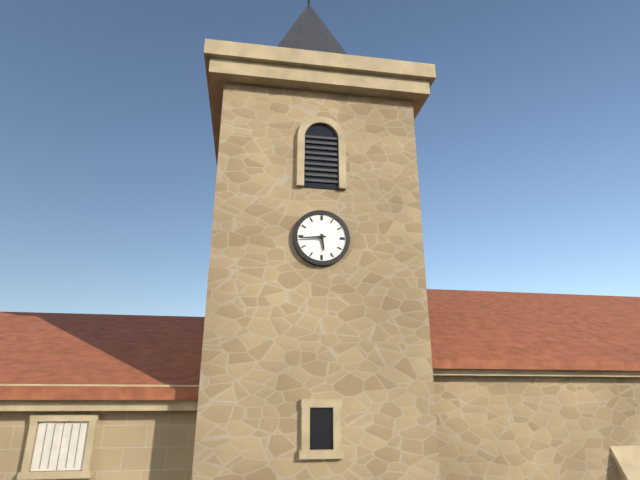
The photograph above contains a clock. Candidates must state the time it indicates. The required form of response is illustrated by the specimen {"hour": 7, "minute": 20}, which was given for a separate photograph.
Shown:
{"hour": 5, "minute": 44}
